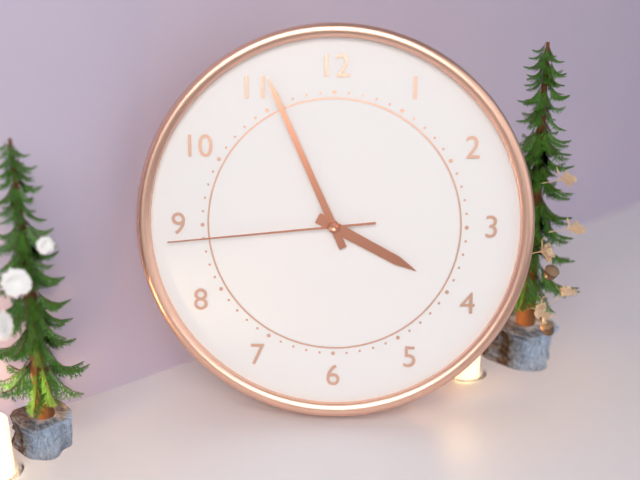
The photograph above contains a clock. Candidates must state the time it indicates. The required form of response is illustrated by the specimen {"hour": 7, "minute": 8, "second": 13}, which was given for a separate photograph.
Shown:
{"hour": 3, "minute": 56, "second": 44}
